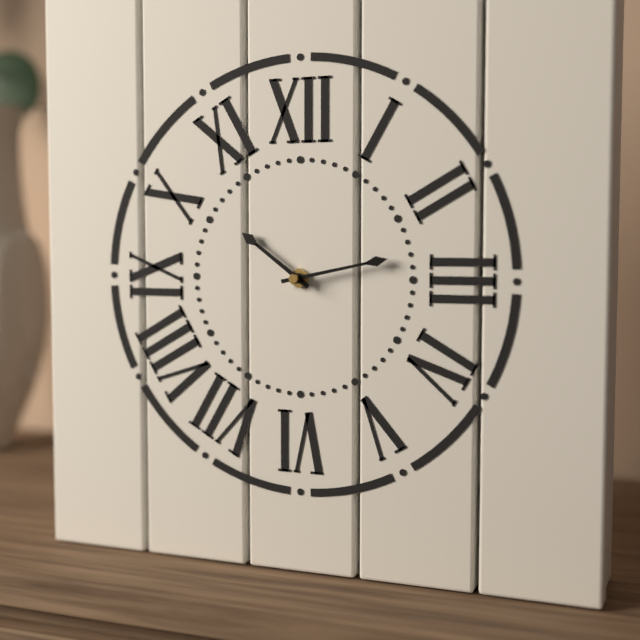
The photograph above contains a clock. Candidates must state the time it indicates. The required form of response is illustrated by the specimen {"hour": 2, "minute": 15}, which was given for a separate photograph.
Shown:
{"hour": 10, "minute": 13}
